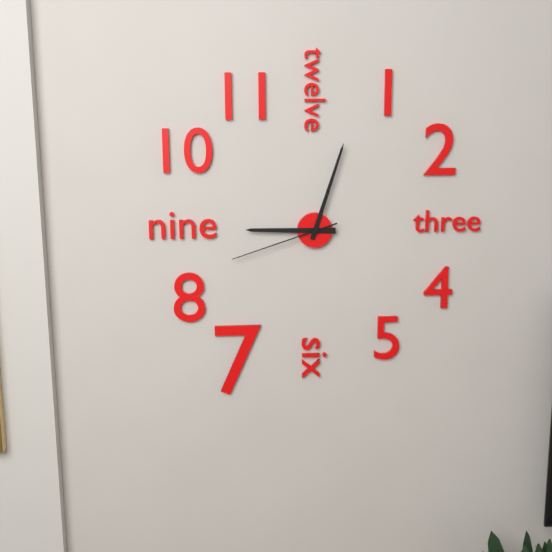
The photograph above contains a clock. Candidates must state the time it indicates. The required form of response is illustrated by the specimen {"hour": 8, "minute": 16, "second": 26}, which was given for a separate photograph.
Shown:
{"hour": 9, "minute": 3, "second": 42}
